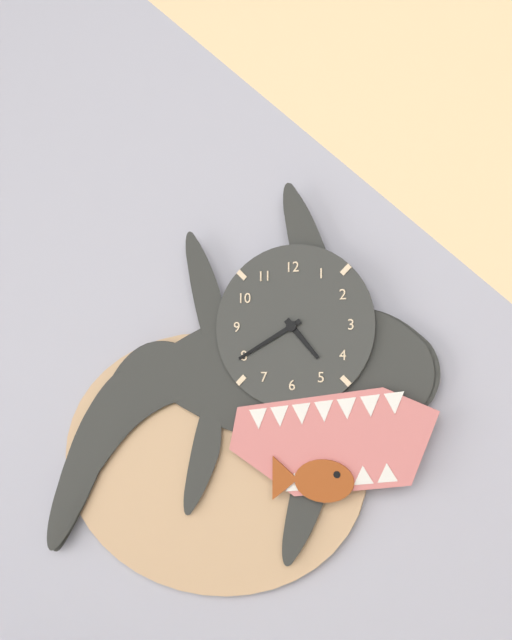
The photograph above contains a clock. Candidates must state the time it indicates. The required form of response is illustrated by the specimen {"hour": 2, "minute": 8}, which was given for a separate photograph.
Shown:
{"hour": 4, "minute": 40}
